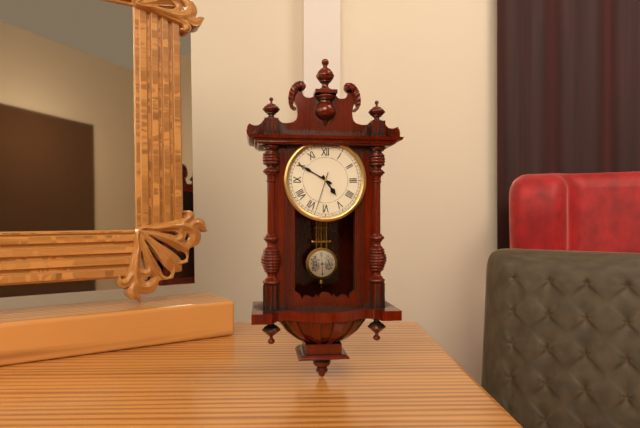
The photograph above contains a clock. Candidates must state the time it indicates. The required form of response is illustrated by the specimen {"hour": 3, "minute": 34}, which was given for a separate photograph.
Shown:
{"hour": 4, "minute": 50}
